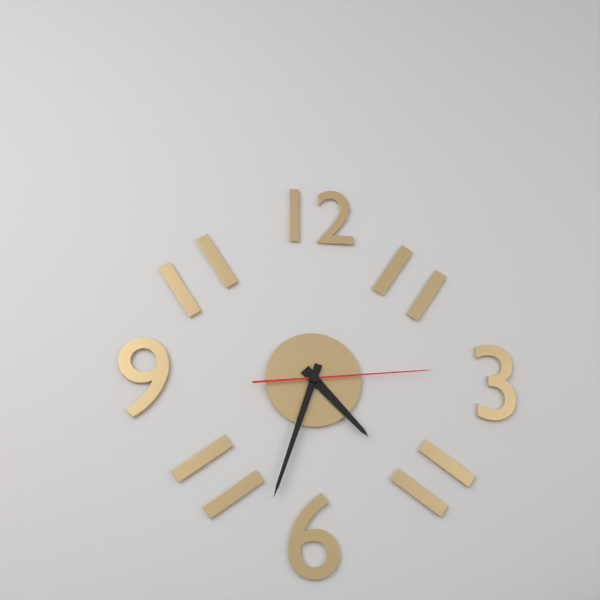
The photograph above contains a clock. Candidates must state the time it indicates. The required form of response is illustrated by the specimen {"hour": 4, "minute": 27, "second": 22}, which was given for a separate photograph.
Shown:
{"hour": 4, "minute": 33, "second": 14}
